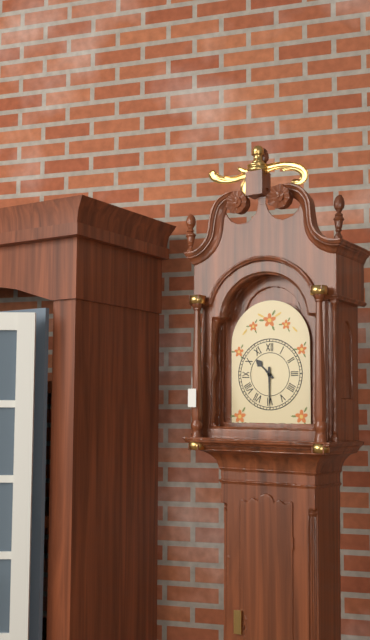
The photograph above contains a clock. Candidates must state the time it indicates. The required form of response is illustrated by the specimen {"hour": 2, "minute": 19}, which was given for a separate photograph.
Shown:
{"hour": 10, "minute": 30}
